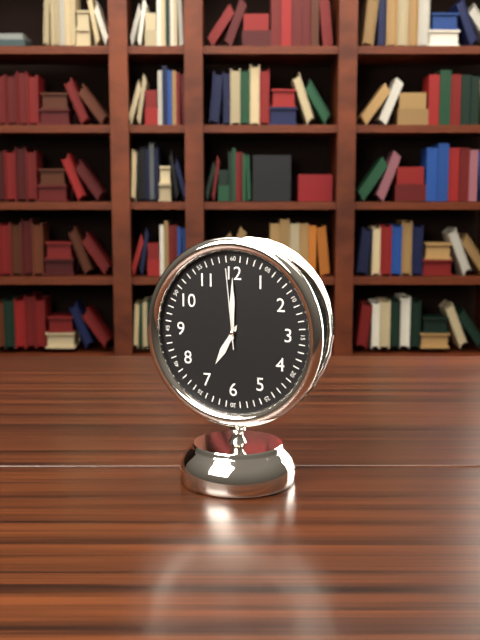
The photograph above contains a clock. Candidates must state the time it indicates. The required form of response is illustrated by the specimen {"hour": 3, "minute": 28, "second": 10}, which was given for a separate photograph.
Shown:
{"hour": 7, "minute": 0, "second": 59}
